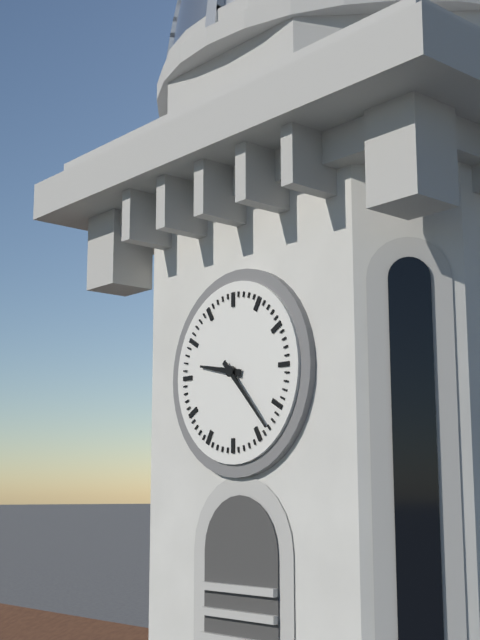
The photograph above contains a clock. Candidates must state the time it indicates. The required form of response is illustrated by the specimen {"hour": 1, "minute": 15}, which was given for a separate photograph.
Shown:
{"hour": 9, "minute": 23}
